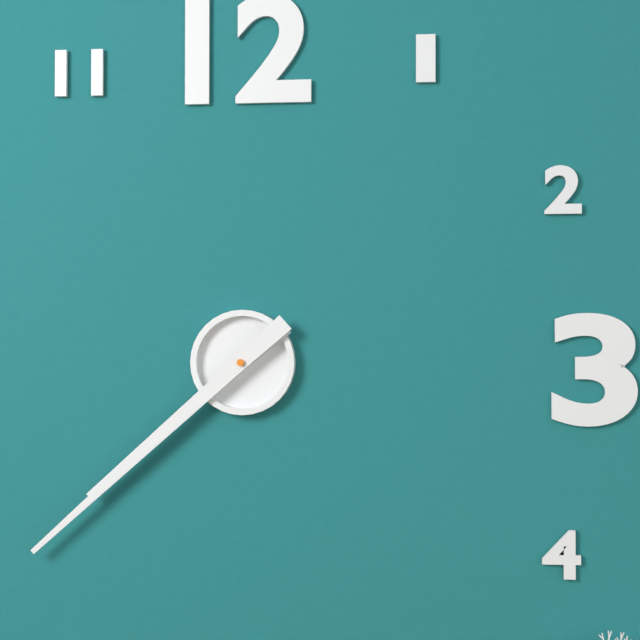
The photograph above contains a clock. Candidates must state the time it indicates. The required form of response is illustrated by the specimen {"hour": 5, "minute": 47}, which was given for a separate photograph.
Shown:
{"hour": 7, "minute": 38}
